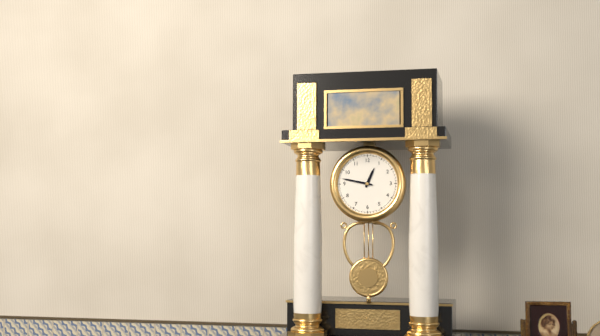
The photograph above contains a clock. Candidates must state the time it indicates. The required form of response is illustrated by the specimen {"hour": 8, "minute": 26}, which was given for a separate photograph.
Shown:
{"hour": 12, "minute": 47}
